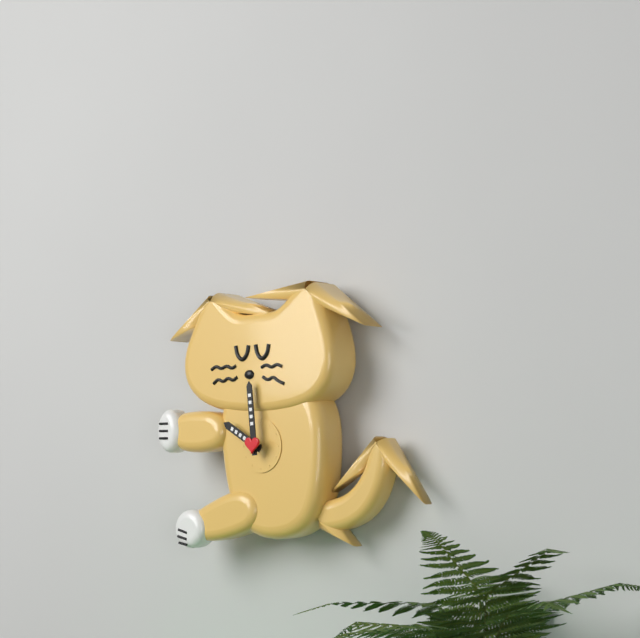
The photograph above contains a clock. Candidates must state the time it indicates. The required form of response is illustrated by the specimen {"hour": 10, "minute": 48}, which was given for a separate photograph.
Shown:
{"hour": 9, "minute": 59}
